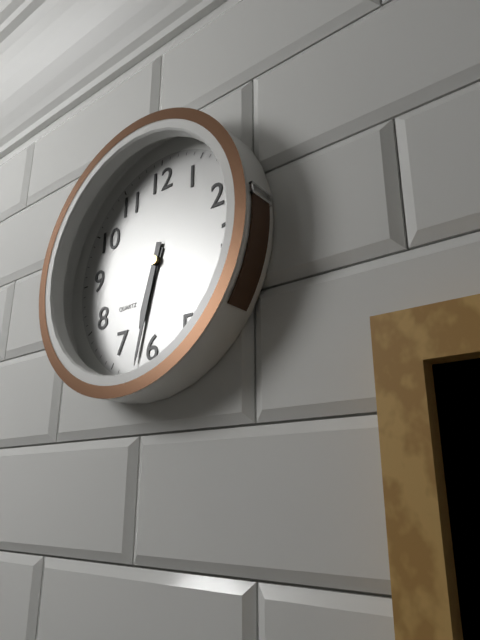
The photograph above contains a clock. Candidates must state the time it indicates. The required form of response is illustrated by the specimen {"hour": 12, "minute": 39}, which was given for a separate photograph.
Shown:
{"hour": 6, "minute": 32}
